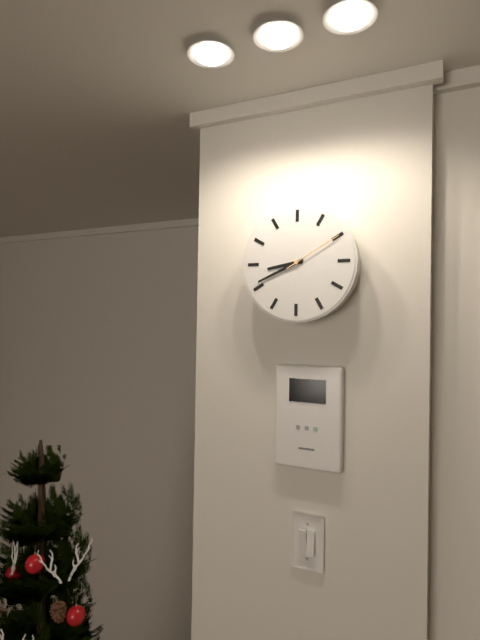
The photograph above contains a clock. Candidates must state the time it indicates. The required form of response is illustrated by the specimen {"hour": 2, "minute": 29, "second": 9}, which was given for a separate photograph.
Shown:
{"hour": 8, "minute": 41, "second": 10}
